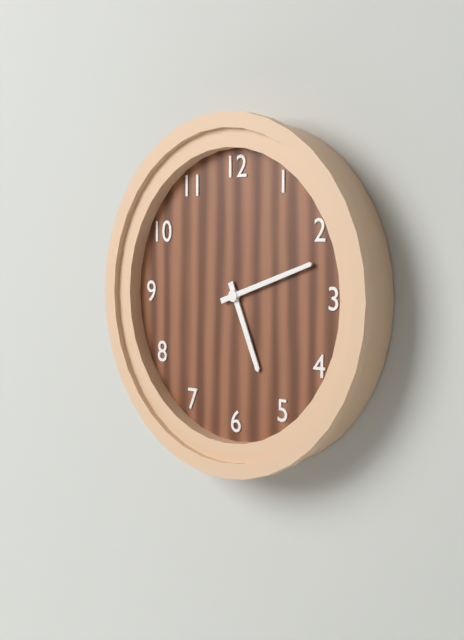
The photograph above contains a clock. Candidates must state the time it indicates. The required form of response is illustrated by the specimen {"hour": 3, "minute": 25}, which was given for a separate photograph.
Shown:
{"hour": 5, "minute": 12}
